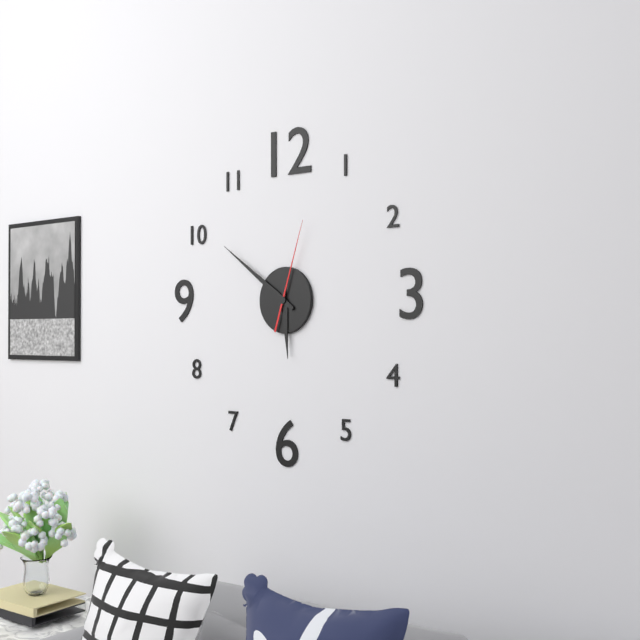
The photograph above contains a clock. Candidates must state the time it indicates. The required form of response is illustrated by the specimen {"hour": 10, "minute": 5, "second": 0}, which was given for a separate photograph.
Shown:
{"hour": 5, "minute": 51, "second": 3}
